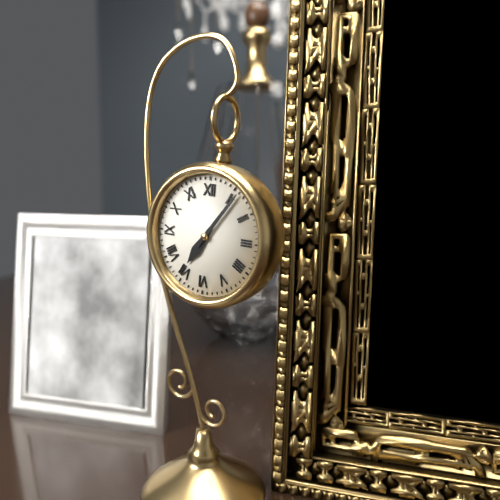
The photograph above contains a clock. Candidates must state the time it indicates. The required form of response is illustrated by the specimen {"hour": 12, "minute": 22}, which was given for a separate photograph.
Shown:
{"hour": 7, "minute": 6}
